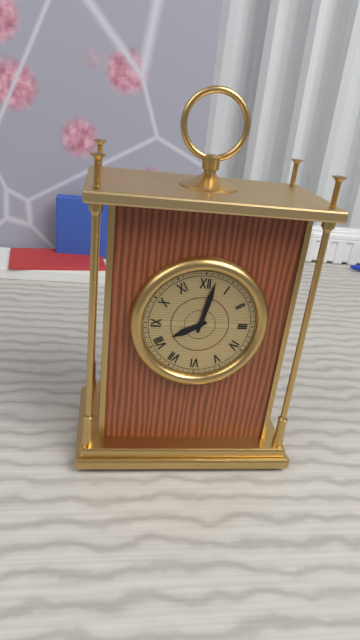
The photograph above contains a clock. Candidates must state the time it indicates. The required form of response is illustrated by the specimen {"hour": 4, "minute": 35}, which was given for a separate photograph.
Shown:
{"hour": 8, "minute": 2}
